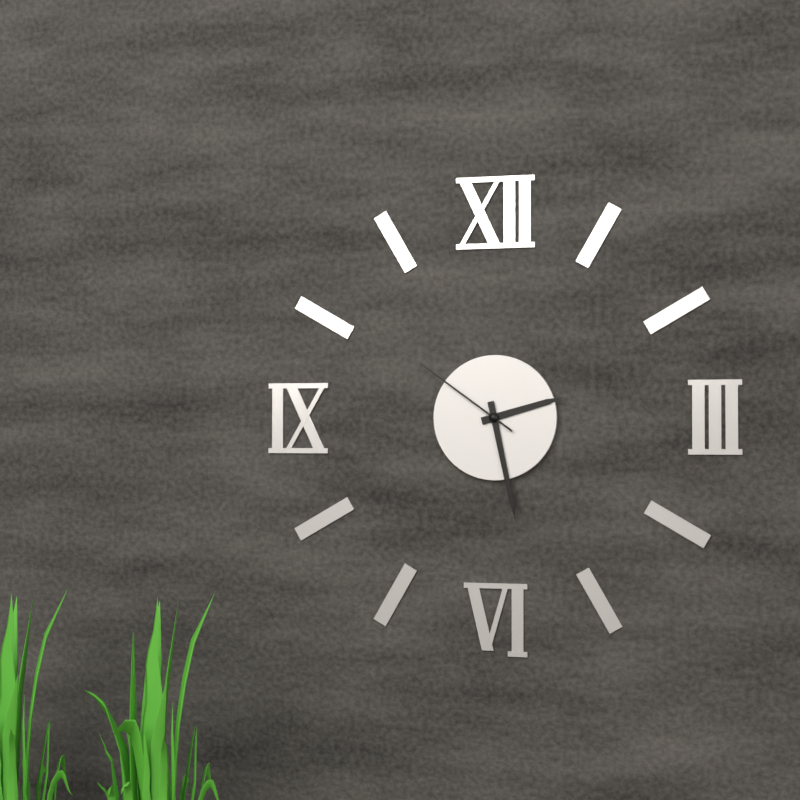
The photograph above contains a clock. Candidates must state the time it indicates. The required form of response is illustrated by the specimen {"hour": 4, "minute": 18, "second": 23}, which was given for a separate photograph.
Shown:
{"hour": 2, "minute": 28, "second": 51}
